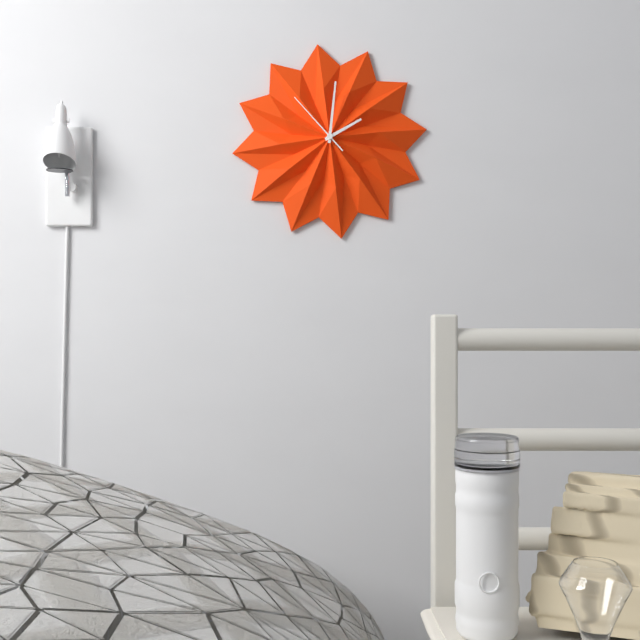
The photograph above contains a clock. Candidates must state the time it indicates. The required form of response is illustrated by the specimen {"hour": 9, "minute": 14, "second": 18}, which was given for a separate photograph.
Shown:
{"hour": 2, "minute": 1, "second": 53}
